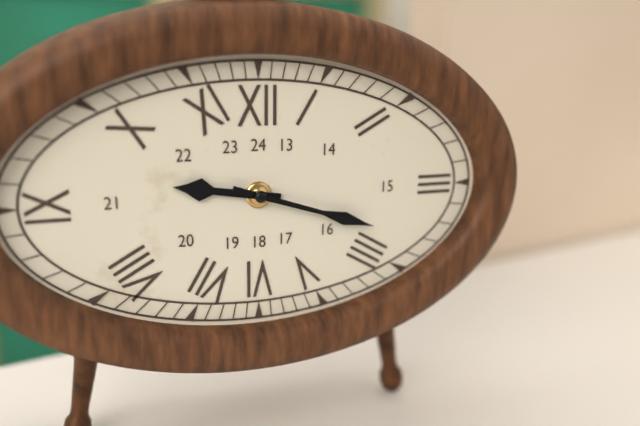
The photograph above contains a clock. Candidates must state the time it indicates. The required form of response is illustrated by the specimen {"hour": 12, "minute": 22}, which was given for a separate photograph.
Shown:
{"hour": 9, "minute": 18}
